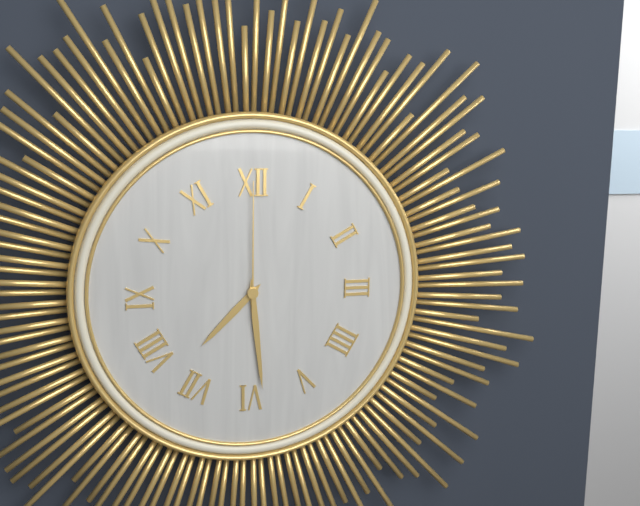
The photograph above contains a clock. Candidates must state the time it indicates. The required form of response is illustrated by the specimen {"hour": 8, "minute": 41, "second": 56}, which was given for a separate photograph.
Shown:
{"hour": 7, "minute": 29, "second": 0}
